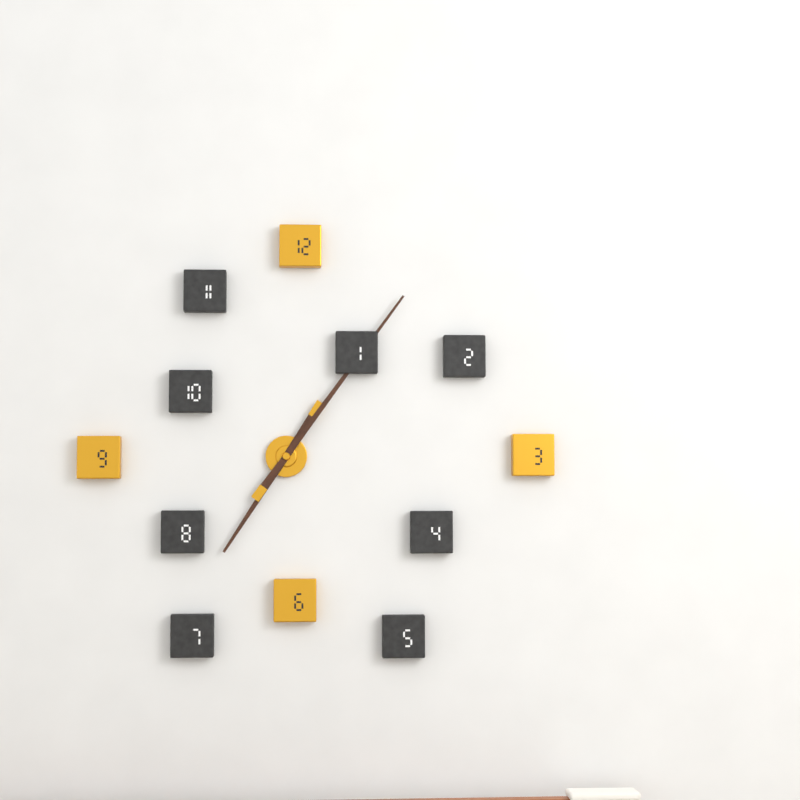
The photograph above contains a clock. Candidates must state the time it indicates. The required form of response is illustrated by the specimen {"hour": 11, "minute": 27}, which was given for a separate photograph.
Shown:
{"hour": 7, "minute": 6}
